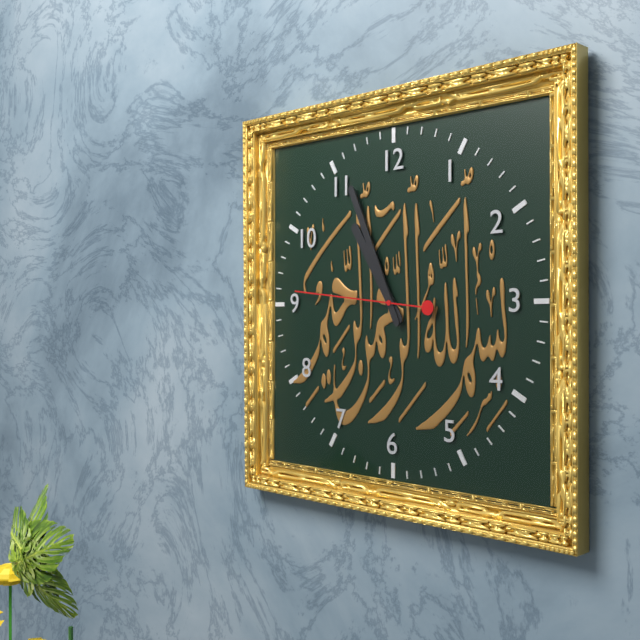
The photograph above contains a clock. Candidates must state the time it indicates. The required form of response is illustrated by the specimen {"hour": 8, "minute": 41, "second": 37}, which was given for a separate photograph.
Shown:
{"hour": 10, "minute": 56, "second": 46}
